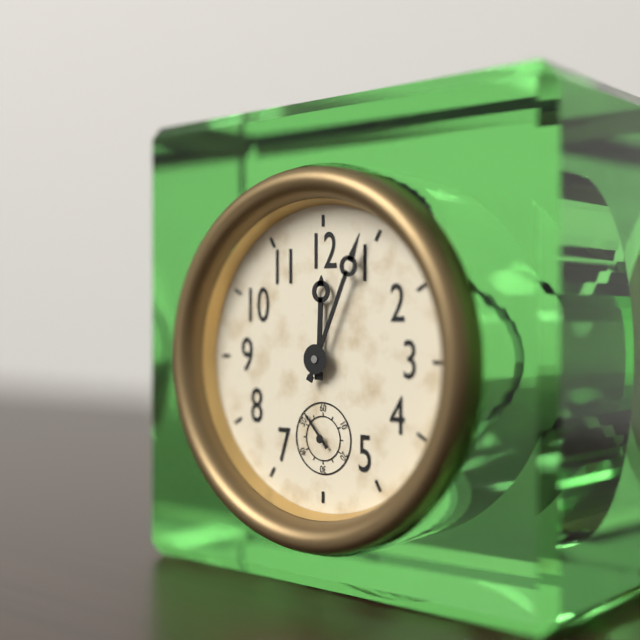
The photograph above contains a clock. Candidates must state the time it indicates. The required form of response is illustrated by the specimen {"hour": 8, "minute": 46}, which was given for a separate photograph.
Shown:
{"hour": 12, "minute": 4}
